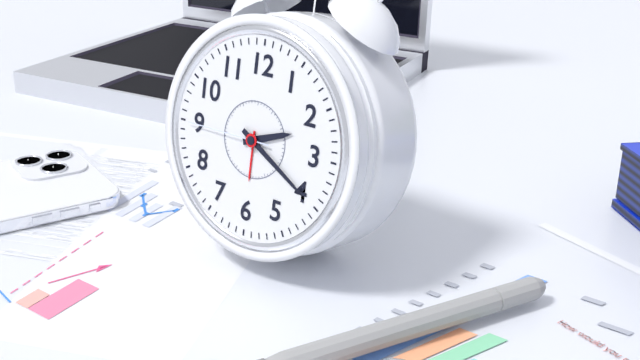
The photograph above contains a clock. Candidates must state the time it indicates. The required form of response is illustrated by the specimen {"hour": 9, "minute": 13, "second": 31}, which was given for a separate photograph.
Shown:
{"hour": 2, "minute": 20, "second": 45}
